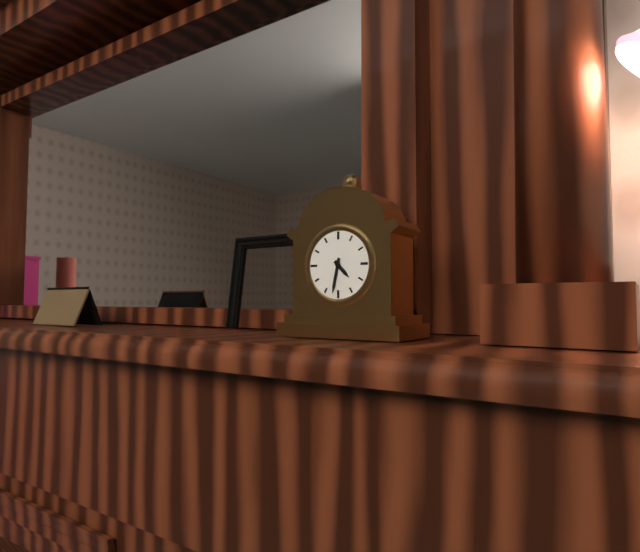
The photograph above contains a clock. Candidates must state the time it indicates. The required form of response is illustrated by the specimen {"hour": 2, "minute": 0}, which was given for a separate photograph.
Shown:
{"hour": 4, "minute": 32}
